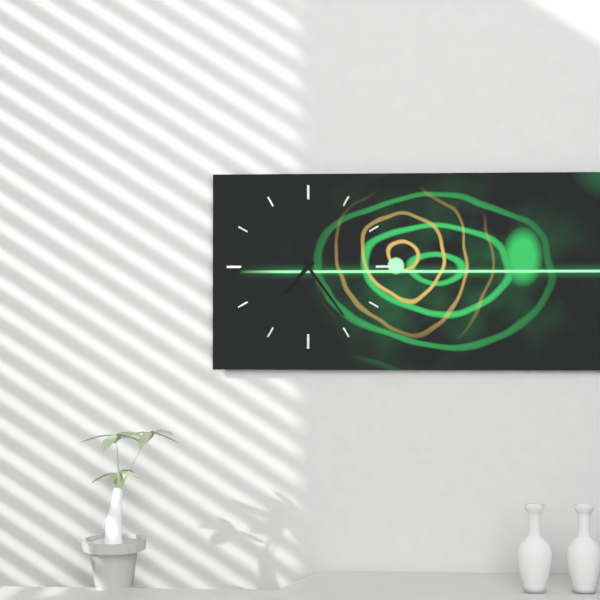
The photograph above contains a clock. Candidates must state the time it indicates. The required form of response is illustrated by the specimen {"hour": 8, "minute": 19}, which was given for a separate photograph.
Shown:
{"hour": 7, "minute": 24}
